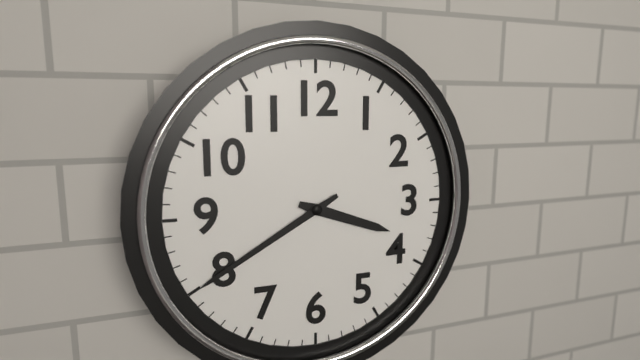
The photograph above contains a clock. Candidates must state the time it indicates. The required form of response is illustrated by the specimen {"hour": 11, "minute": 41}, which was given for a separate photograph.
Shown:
{"hour": 3, "minute": 40}
